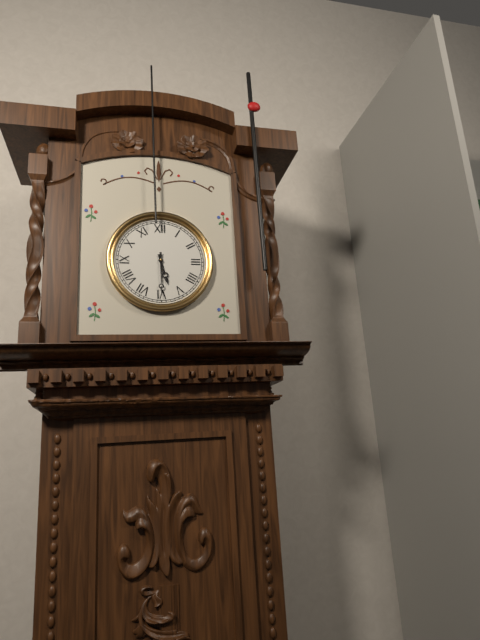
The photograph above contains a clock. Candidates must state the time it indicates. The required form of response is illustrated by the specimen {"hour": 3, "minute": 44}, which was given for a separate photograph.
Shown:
{"hour": 5, "minute": 30}
